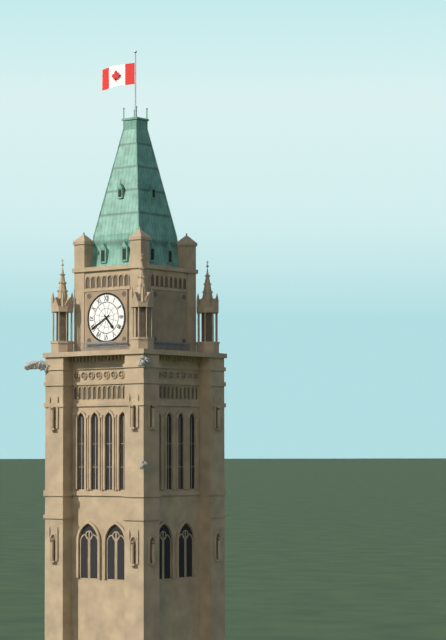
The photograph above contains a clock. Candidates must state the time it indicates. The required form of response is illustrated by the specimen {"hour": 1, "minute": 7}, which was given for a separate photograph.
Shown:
{"hour": 4, "minute": 40}
